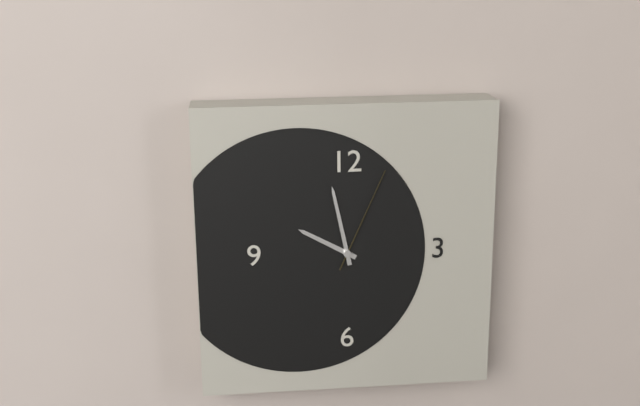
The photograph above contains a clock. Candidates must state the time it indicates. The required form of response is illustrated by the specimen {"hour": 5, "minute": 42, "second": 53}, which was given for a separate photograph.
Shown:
{"hour": 9, "minute": 58, "second": 4}
